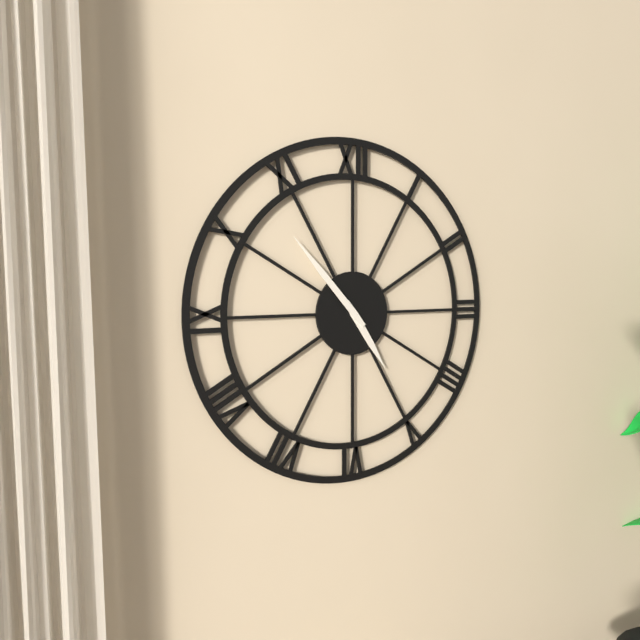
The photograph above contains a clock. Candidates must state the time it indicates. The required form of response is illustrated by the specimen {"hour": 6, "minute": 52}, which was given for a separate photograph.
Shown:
{"hour": 4, "minute": 53}
